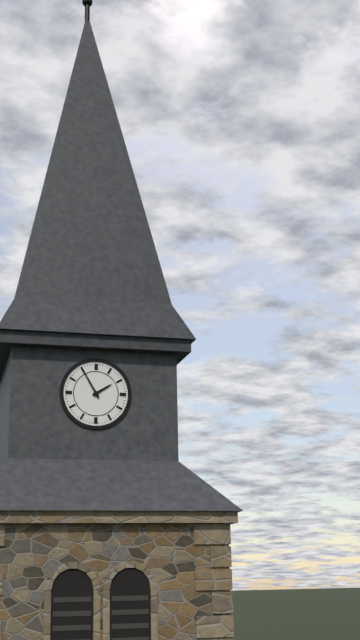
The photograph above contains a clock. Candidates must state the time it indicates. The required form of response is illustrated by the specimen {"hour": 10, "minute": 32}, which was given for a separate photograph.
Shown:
{"hour": 1, "minute": 55}
